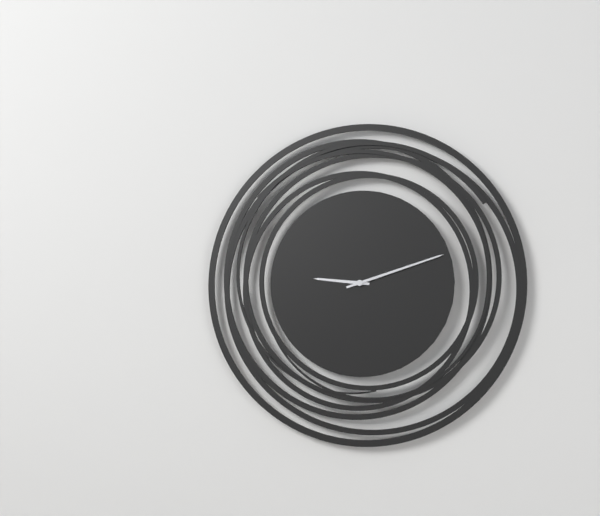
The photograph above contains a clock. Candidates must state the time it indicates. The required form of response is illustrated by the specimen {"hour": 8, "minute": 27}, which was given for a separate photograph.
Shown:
{"hour": 9, "minute": 12}
